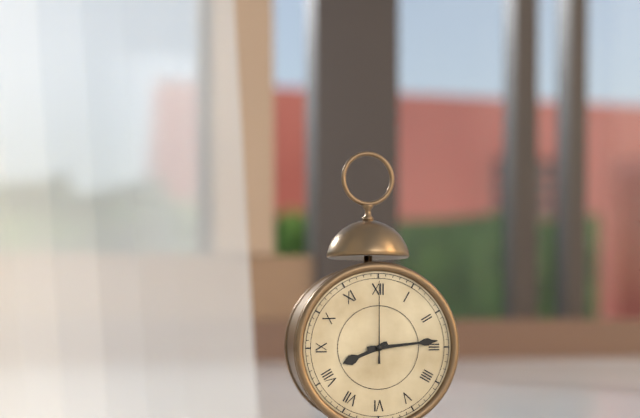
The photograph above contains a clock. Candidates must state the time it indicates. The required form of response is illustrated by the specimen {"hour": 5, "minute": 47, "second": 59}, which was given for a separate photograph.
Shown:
{"hour": 8, "minute": 14, "second": 0}
